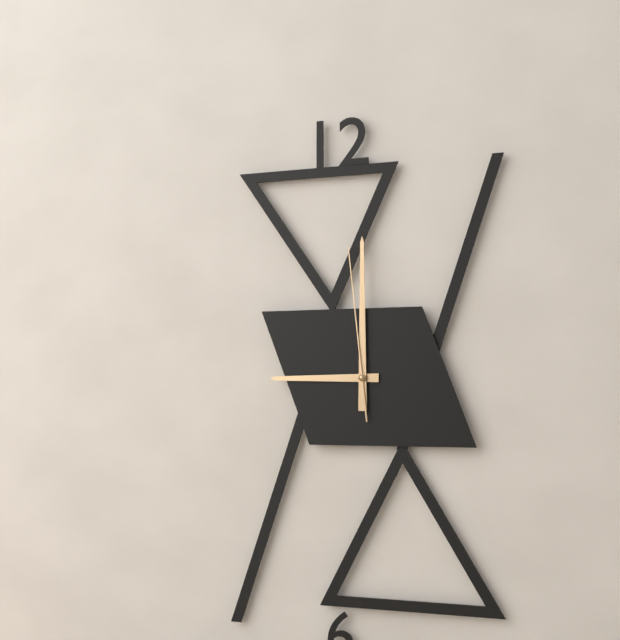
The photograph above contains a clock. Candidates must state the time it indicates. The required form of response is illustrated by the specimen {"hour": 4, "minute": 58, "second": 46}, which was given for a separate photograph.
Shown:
{"hour": 9, "minute": 0, "second": 59}
